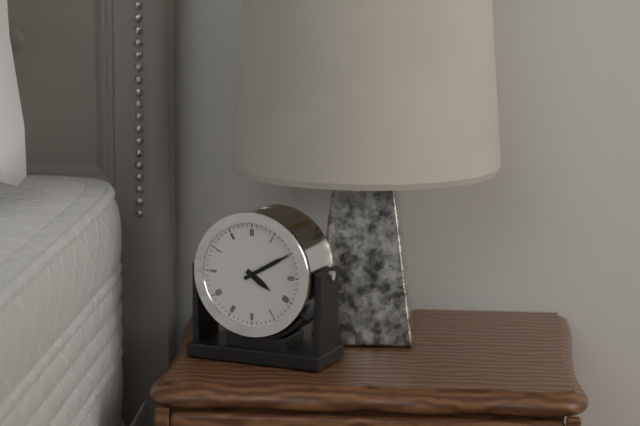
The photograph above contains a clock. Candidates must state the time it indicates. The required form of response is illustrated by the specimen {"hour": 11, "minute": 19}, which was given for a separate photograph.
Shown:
{"hour": 4, "minute": 10}
